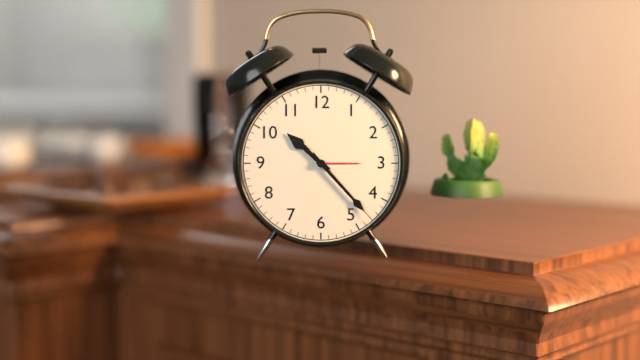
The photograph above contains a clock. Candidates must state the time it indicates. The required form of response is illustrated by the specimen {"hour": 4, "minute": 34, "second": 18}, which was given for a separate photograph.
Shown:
{"hour": 10, "minute": 23, "second": 23}
